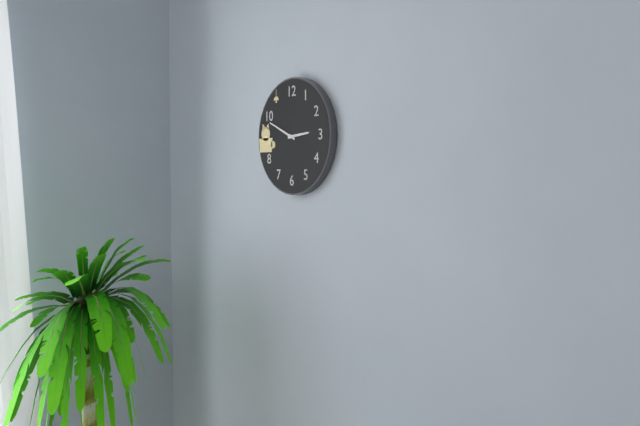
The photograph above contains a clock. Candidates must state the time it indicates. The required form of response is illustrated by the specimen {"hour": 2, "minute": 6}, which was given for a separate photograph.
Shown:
{"hour": 2, "minute": 49}
